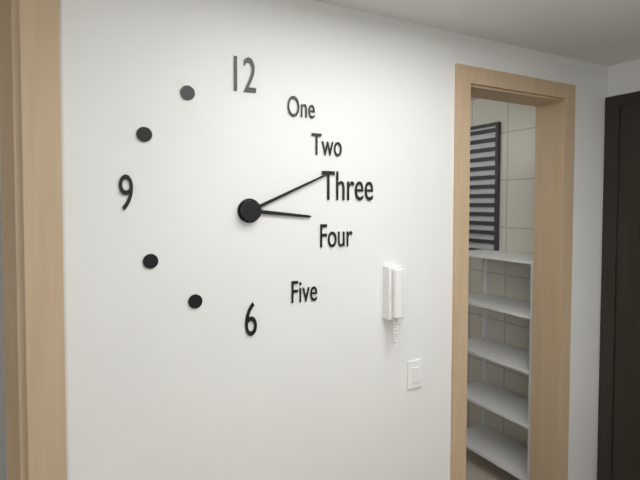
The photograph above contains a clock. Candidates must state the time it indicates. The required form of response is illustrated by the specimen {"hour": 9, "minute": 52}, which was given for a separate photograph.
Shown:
{"hour": 3, "minute": 11}
